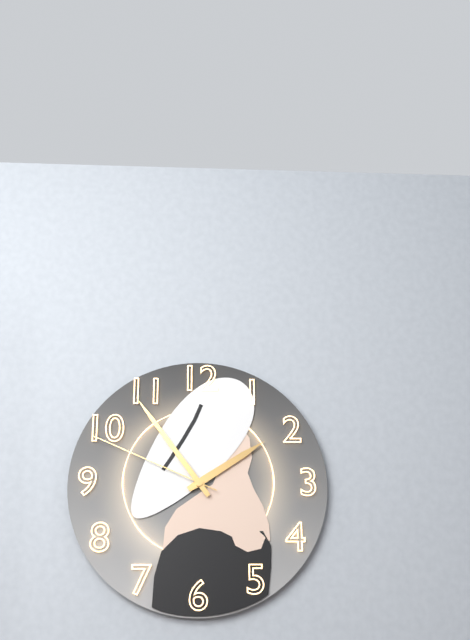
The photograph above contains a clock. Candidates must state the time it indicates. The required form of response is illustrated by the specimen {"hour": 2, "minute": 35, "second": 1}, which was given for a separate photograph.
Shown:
{"hour": 1, "minute": 54, "second": 49}
